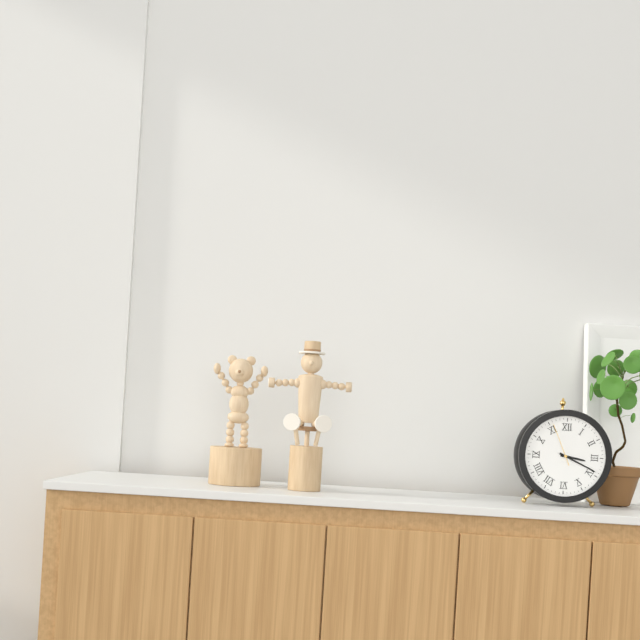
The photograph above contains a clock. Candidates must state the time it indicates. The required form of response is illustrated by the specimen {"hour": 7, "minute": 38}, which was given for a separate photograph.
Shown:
{"hour": 3, "minute": 19}
